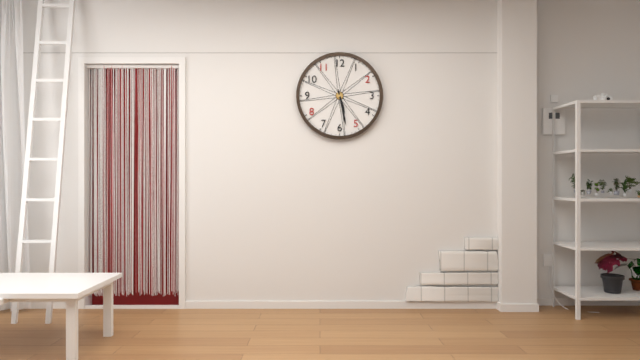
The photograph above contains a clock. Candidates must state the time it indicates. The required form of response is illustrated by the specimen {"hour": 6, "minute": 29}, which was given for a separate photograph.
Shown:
{"hour": 5, "minute": 28}
